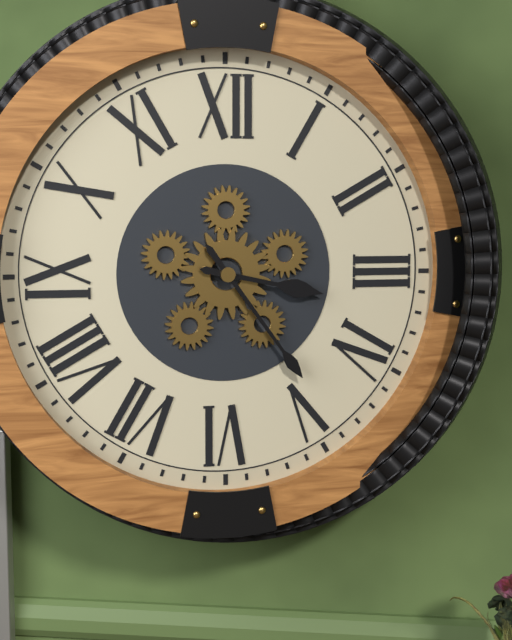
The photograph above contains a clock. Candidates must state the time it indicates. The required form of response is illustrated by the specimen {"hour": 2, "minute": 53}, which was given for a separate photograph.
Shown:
{"hour": 3, "minute": 24}
